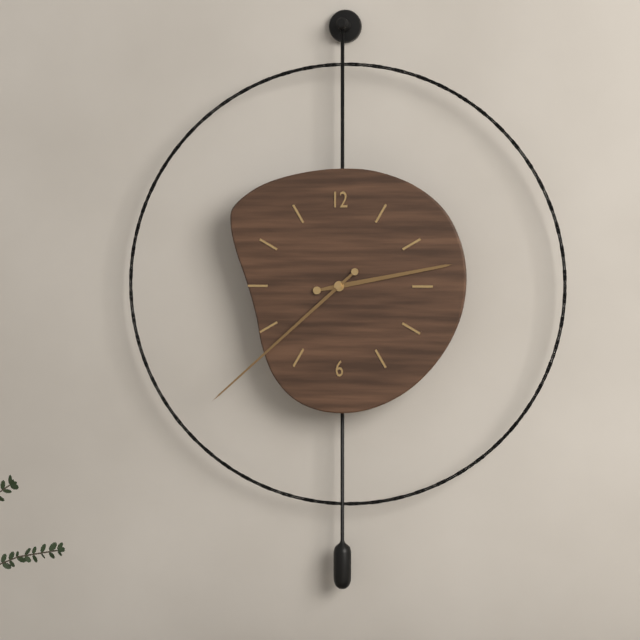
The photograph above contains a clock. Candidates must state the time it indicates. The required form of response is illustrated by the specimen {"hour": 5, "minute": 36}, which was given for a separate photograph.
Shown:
{"hour": 2, "minute": 38}
